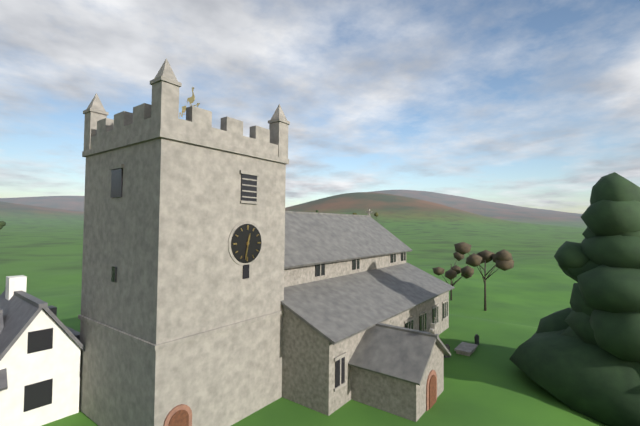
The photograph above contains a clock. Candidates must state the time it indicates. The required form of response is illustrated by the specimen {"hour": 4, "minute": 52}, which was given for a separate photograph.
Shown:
{"hour": 12, "minute": 32}
